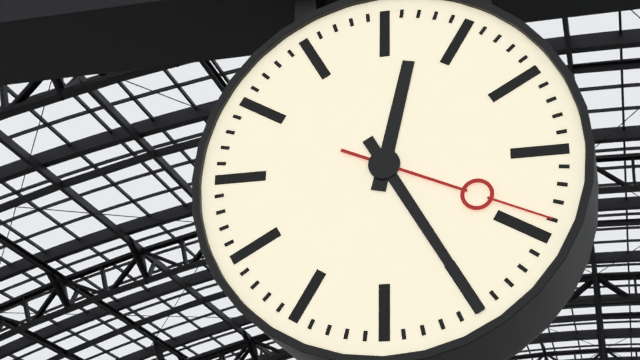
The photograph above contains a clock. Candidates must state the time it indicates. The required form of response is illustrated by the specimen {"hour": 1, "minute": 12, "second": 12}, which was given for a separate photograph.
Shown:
{"hour": 12, "minute": 25, "second": 19}
